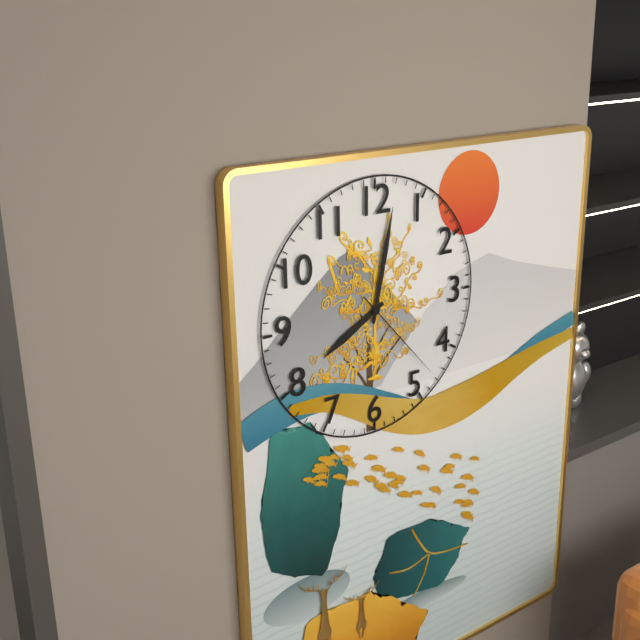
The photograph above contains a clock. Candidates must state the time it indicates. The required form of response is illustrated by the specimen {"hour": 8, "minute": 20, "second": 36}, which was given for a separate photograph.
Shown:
{"hour": 8, "minute": 2, "second": 23}
